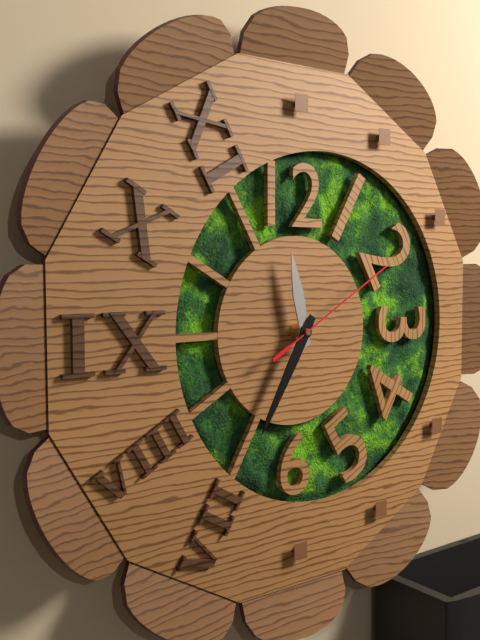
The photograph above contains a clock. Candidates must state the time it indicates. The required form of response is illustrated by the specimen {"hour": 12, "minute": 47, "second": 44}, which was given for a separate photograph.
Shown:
{"hour": 11, "minute": 35, "second": 10}
